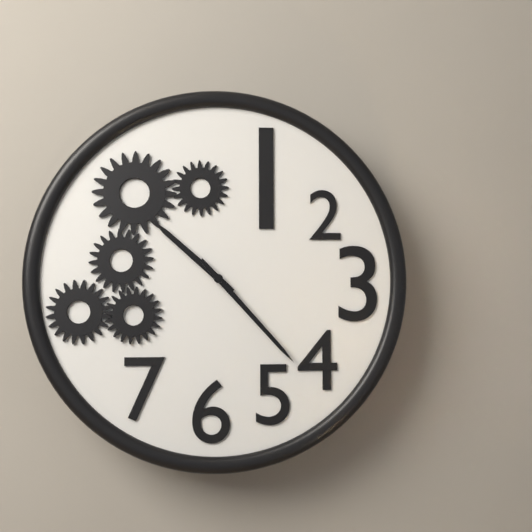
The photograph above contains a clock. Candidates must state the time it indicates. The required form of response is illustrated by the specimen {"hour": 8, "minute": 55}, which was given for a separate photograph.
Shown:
{"hour": 10, "minute": 23}
